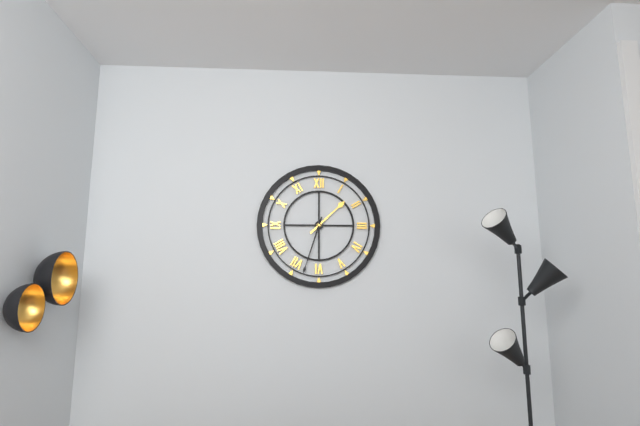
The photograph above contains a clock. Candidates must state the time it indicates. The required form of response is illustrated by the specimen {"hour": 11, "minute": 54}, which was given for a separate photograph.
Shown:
{"hour": 1, "minute": 33}
